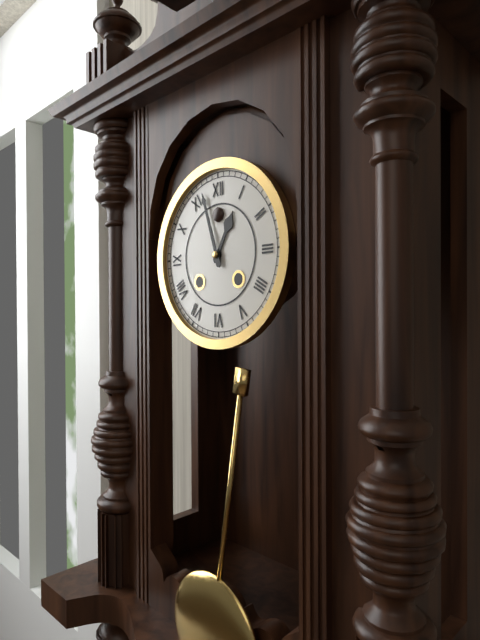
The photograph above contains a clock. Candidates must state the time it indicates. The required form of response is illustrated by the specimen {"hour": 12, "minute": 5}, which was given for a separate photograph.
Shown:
{"hour": 12, "minute": 57}
